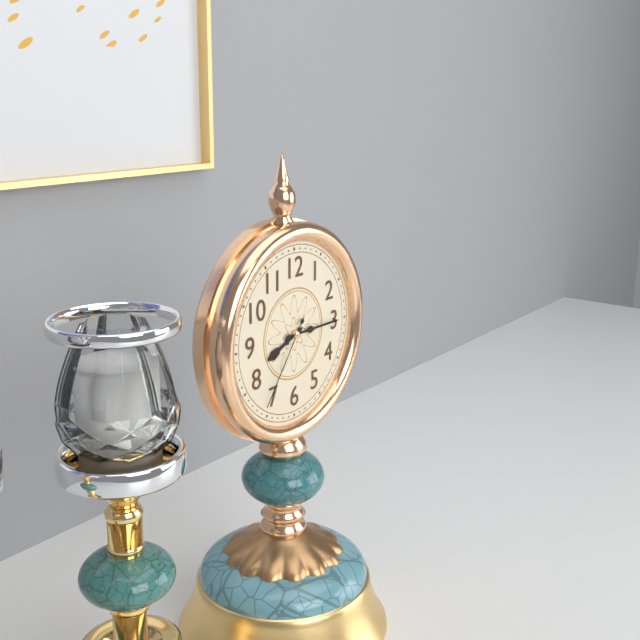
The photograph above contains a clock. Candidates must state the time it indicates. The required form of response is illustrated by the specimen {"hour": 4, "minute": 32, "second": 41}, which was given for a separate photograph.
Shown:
{"hour": 8, "minute": 15, "second": 36}
